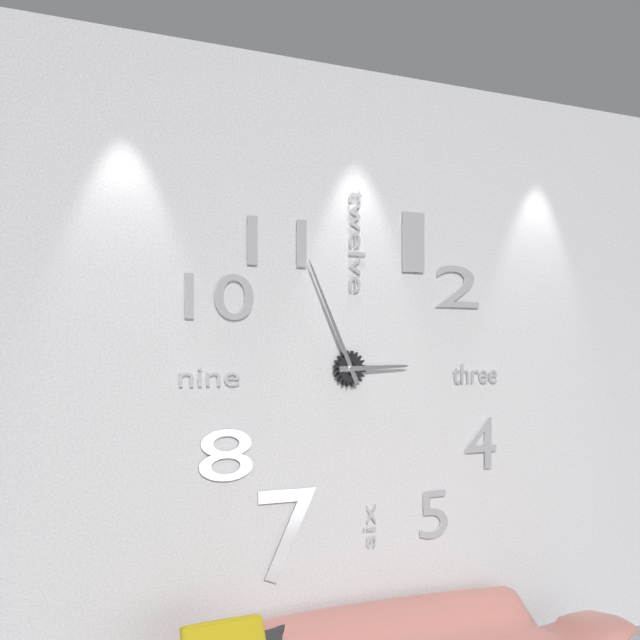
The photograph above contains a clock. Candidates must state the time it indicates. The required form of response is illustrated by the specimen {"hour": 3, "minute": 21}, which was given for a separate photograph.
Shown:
{"hour": 2, "minute": 56}
